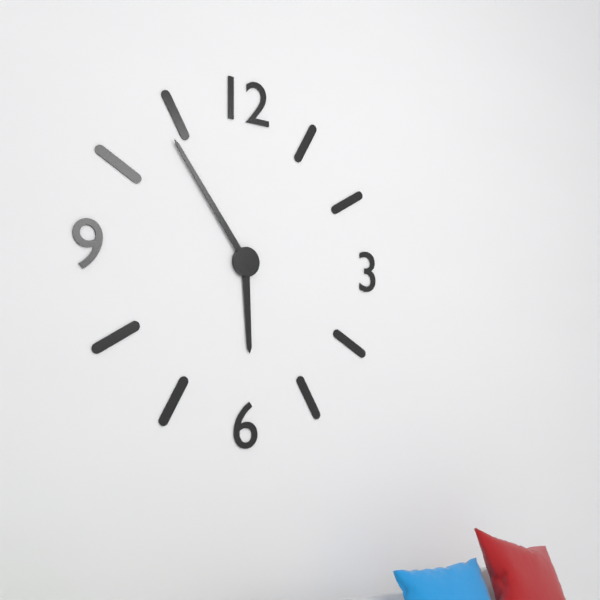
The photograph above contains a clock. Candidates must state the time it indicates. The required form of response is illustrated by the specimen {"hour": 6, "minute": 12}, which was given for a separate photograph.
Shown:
{"hour": 5, "minute": 54}
